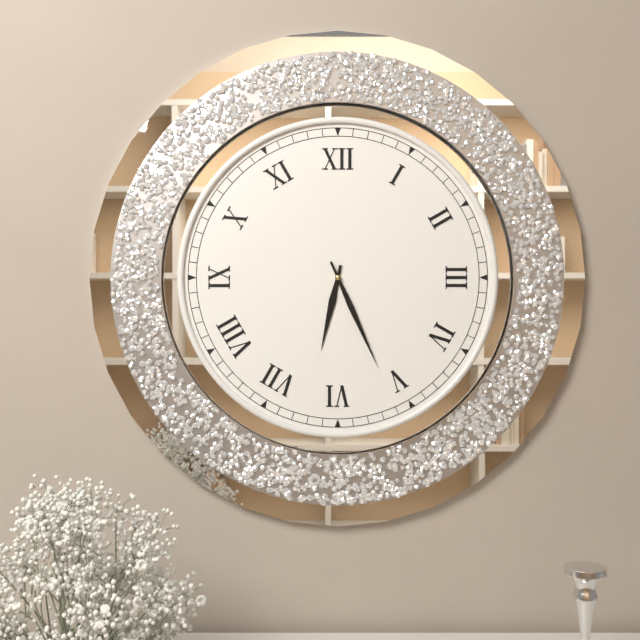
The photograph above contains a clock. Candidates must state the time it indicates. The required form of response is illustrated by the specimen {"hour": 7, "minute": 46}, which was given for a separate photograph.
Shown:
{"hour": 6, "minute": 26}
